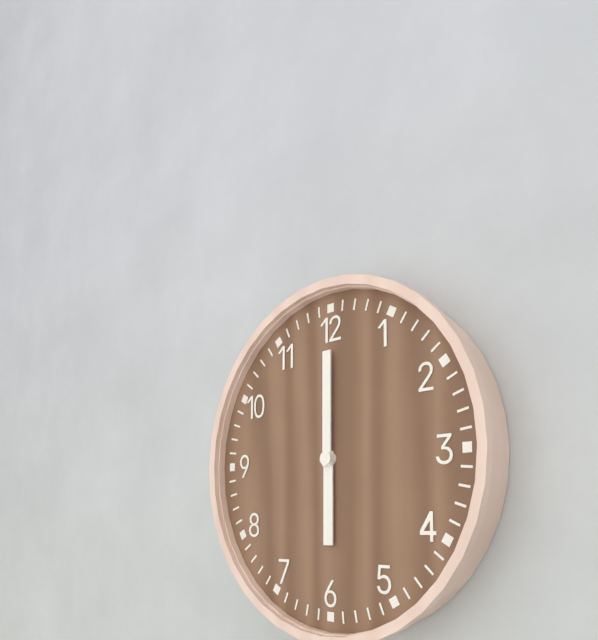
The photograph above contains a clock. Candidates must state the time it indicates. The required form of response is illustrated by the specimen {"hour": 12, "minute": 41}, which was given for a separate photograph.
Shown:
{"hour": 6, "minute": 0}
